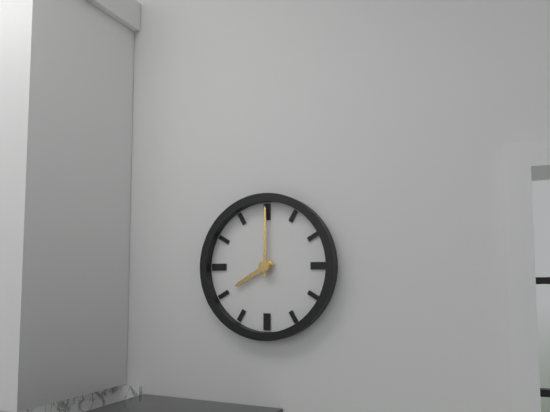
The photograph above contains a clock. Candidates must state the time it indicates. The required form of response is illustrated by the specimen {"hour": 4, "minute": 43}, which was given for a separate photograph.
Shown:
{"hour": 8, "minute": 0}
